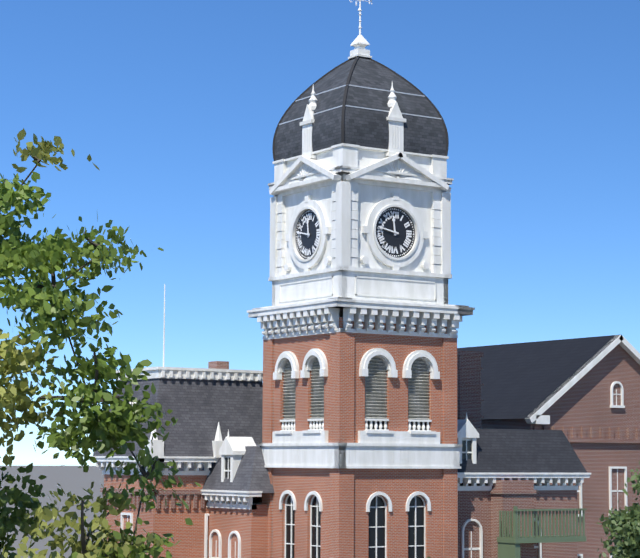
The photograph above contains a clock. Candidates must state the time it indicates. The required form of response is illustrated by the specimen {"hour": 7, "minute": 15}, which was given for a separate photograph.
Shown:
{"hour": 11, "minute": 47}
